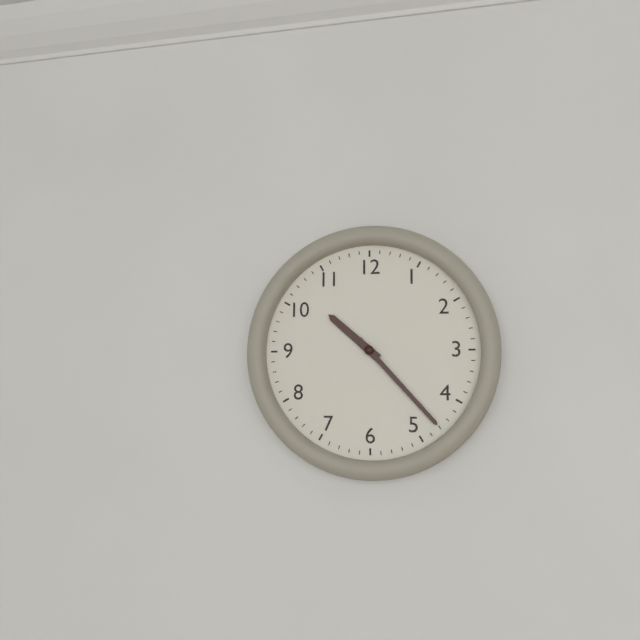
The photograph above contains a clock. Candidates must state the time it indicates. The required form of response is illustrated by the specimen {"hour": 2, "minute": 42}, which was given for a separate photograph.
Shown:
{"hour": 10, "minute": 23}
